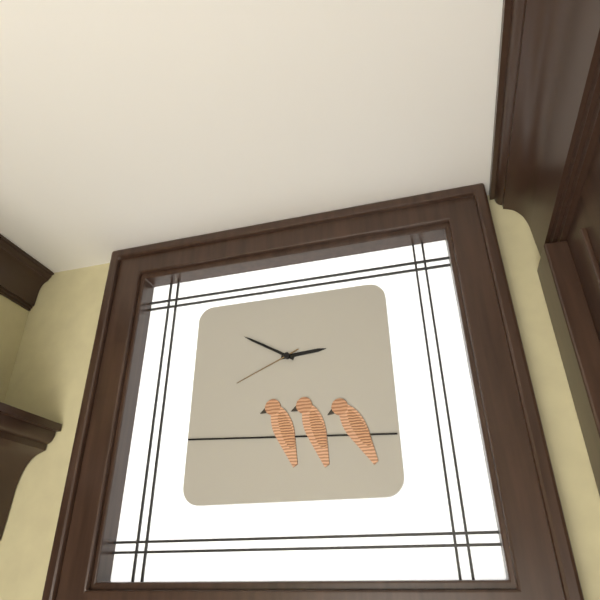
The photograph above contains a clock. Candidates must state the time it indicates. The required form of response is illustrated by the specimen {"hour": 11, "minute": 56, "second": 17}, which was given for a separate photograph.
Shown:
{"hour": 2, "minute": 50, "second": 41}
